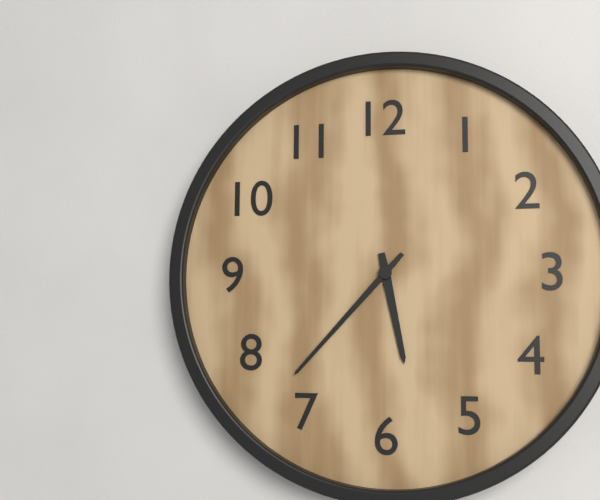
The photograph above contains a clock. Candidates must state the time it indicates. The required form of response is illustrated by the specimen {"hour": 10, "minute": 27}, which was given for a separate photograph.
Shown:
{"hour": 5, "minute": 37}
